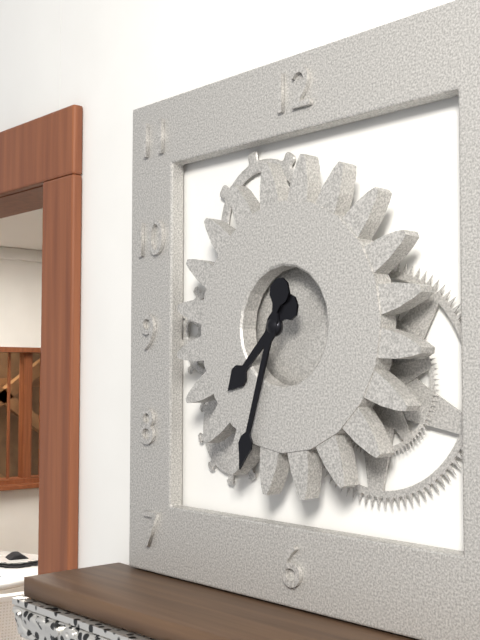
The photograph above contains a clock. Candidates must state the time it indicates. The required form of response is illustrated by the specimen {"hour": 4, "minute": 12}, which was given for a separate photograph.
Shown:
{"hour": 7, "minute": 33}
